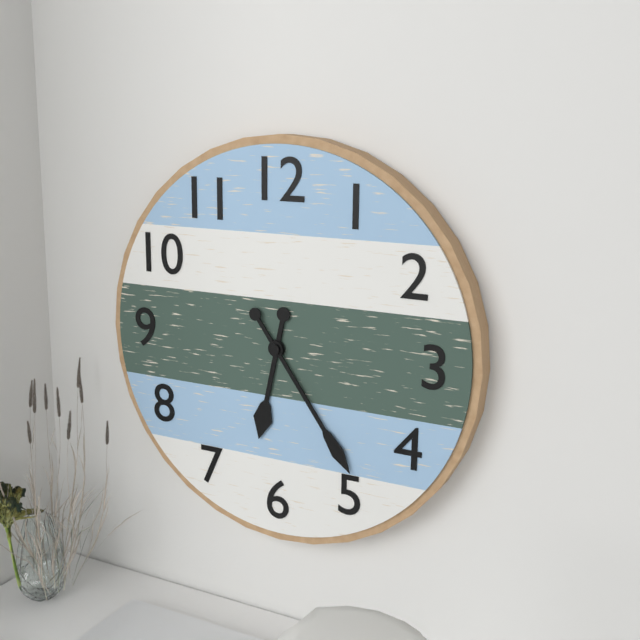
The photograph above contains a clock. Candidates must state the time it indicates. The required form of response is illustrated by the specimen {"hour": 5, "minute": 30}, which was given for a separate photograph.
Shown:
{"hour": 6, "minute": 24}
